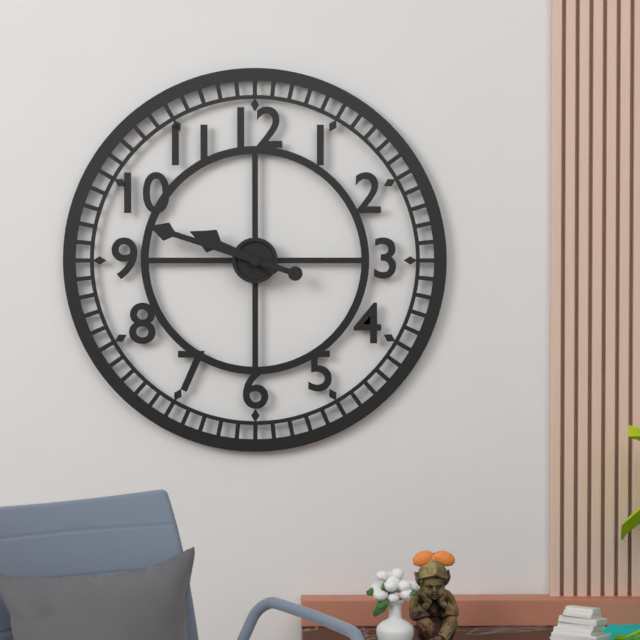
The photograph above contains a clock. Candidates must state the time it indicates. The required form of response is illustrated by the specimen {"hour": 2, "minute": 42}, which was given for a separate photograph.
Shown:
{"hour": 9, "minute": 48}
